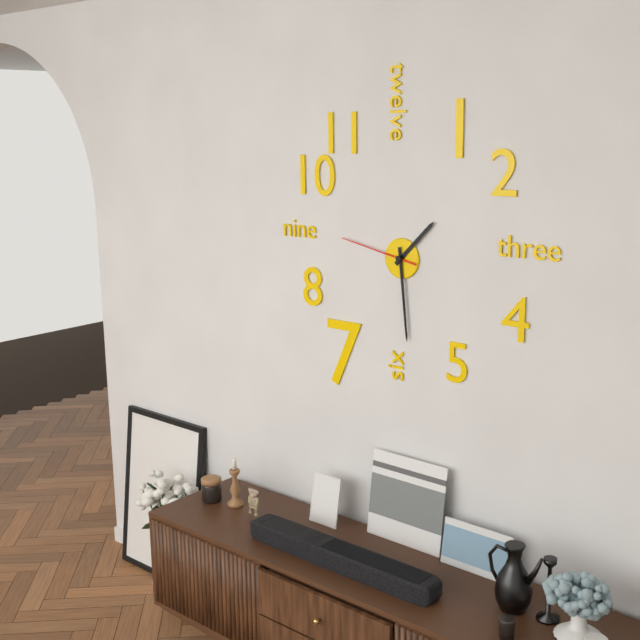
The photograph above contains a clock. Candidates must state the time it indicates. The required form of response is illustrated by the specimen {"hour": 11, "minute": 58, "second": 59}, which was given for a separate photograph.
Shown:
{"hour": 1, "minute": 29, "second": 47}
